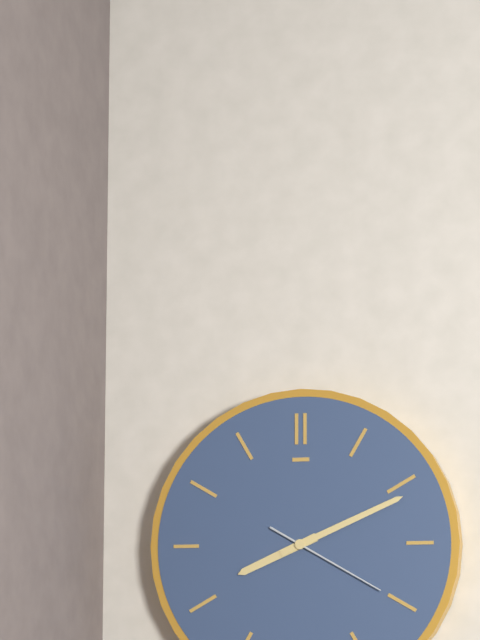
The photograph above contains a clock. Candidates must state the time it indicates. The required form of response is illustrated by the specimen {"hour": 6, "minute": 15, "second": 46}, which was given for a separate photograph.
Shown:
{"hour": 8, "minute": 11, "second": 20}
